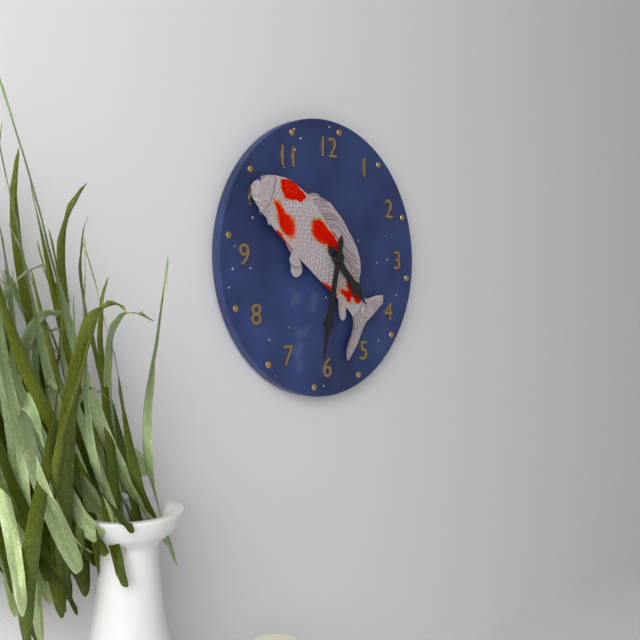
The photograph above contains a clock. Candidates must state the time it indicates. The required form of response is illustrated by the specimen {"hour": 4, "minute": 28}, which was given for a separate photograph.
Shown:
{"hour": 4, "minute": 32}
